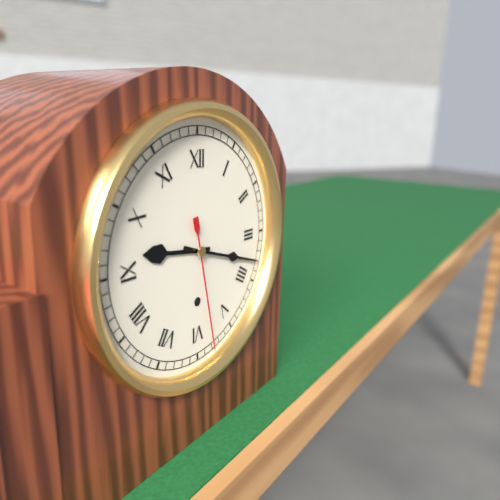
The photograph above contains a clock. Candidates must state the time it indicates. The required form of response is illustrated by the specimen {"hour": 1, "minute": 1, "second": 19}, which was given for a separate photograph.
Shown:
{"hour": 9, "minute": 18, "second": 28}
